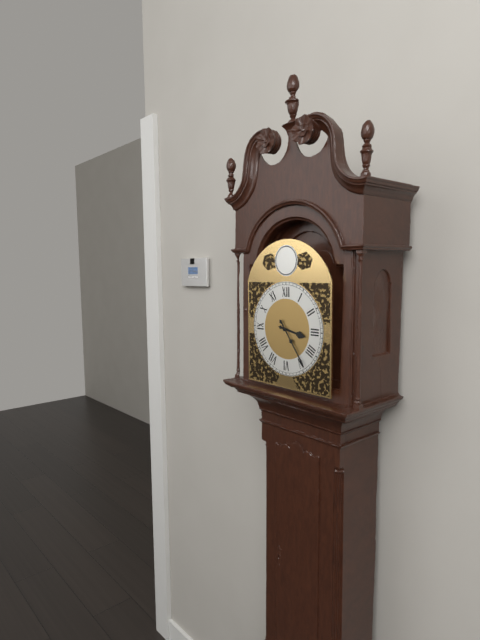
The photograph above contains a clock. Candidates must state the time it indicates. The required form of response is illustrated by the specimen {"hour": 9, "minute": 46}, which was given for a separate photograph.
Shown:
{"hour": 3, "minute": 24}
